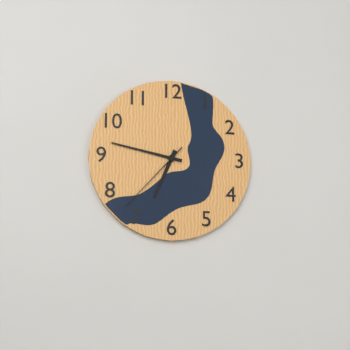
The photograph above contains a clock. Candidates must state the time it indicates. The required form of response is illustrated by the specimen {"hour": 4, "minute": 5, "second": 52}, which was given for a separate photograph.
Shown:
{"hour": 6, "minute": 47, "second": 37}
